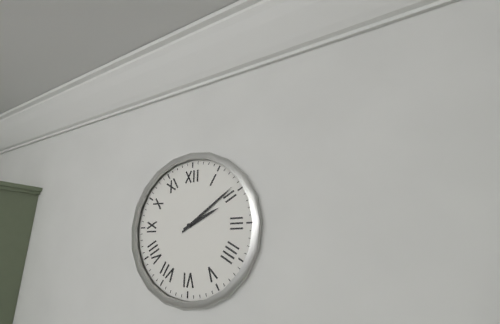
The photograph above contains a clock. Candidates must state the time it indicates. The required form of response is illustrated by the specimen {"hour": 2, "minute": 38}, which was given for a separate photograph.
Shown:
{"hour": 2, "minute": 9}
